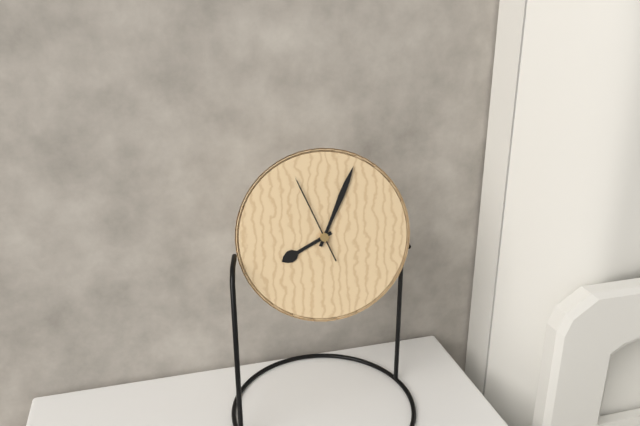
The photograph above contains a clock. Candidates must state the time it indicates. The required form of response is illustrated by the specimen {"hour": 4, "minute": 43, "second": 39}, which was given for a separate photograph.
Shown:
{"hour": 8, "minute": 4, "second": 56}
